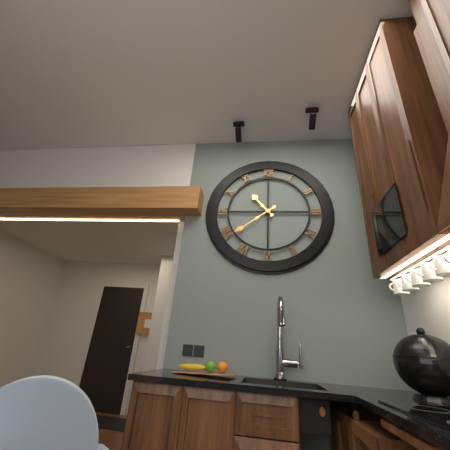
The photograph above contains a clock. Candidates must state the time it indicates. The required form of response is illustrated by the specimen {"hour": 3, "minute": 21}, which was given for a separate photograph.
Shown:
{"hour": 10, "minute": 39}
